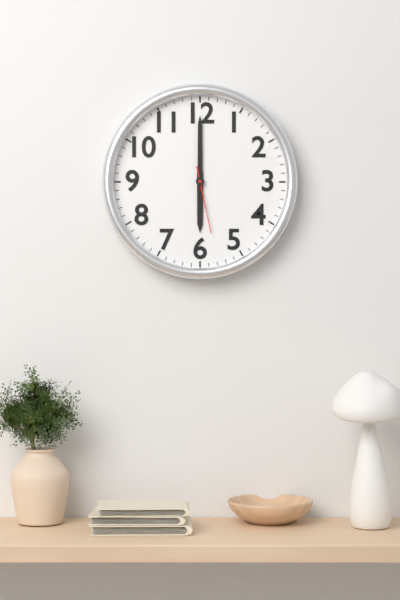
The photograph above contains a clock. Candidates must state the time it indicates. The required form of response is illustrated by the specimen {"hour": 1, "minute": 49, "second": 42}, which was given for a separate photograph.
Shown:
{"hour": 6, "minute": 0, "second": 28}
